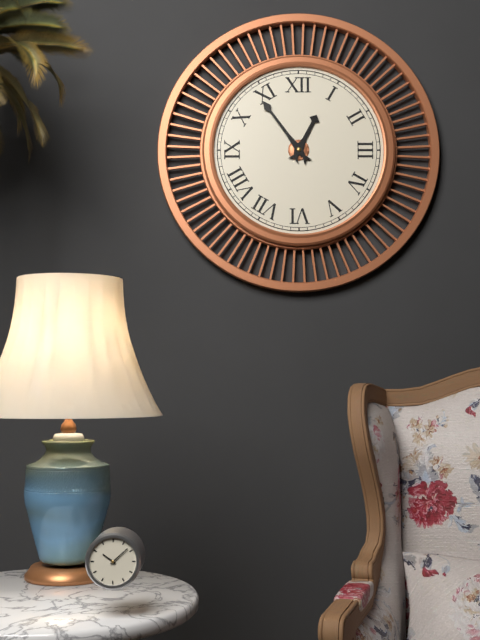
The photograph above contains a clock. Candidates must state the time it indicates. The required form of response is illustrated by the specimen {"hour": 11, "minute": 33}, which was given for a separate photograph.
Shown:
{"hour": 12, "minute": 54}
